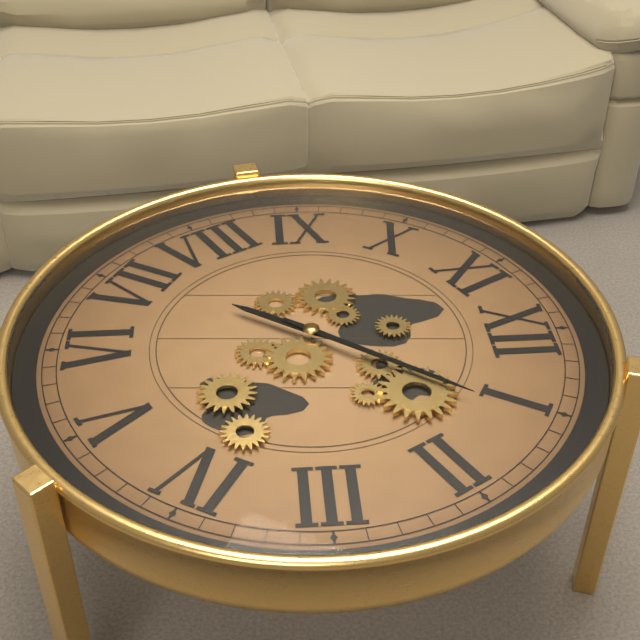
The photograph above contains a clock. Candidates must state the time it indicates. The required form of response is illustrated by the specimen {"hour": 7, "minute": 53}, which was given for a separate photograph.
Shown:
{"hour": 7, "minute": 6}
